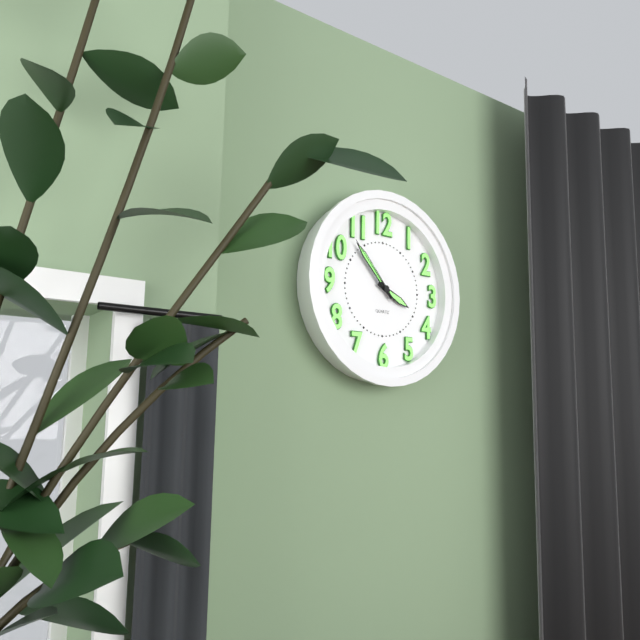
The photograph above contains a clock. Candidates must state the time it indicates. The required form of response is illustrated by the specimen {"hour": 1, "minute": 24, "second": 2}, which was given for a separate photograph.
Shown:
{"hour": 3, "minute": 53, "second": 53}
